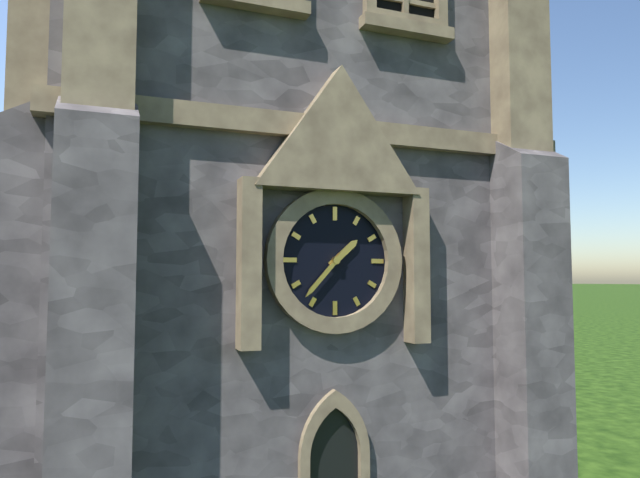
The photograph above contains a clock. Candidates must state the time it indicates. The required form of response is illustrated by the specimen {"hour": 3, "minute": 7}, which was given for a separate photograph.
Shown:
{"hour": 1, "minute": 37}
